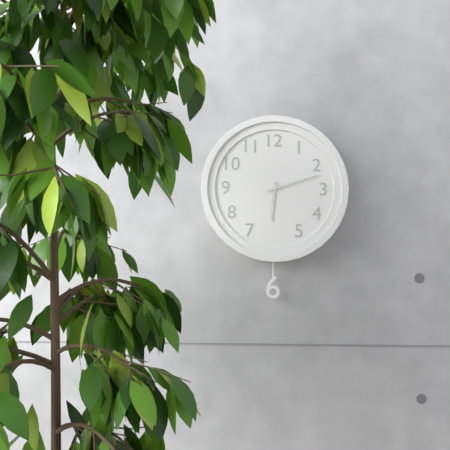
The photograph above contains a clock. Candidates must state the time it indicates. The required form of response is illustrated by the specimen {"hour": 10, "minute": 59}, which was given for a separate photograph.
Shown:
{"hour": 6, "minute": 12}
